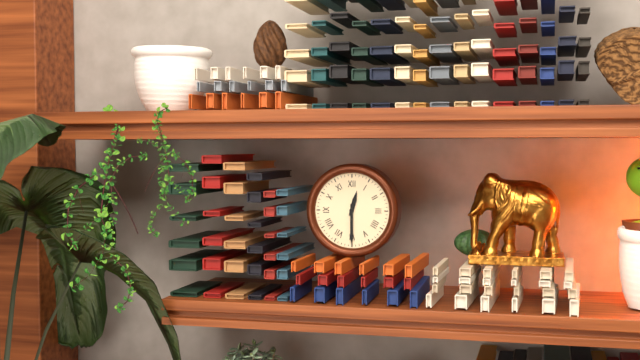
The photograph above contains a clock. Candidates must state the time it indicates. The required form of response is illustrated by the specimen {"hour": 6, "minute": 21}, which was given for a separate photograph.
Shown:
{"hour": 12, "minute": 30}
